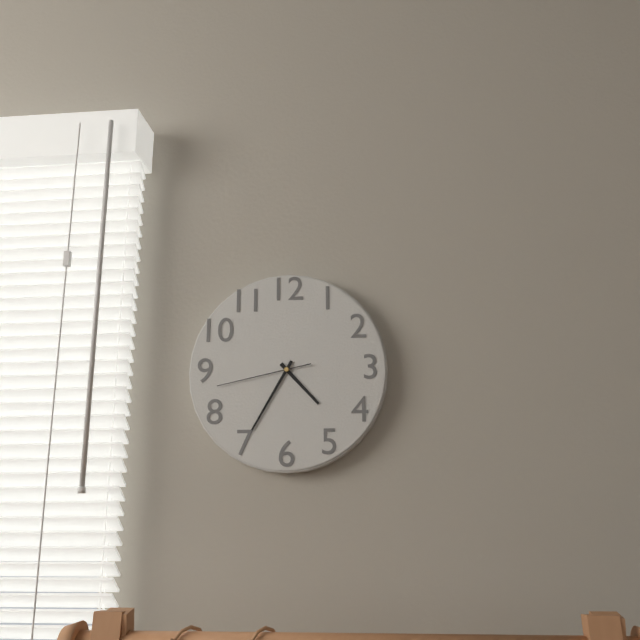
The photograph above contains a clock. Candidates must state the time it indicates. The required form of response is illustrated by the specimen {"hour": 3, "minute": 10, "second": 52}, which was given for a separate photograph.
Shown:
{"hour": 4, "minute": 35, "second": 43}
